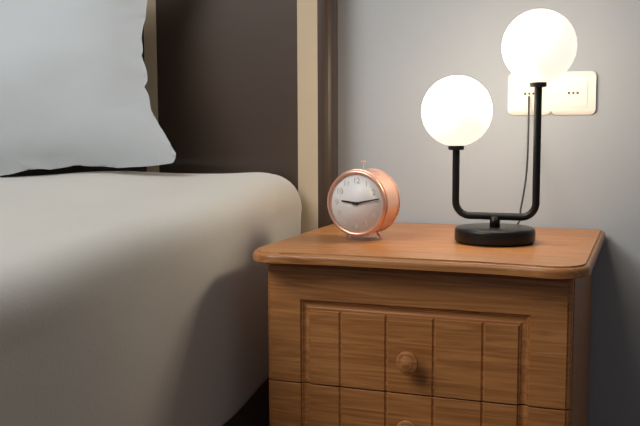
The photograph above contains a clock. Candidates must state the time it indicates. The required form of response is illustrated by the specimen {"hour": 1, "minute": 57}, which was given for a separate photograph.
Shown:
{"hour": 9, "minute": 13}
